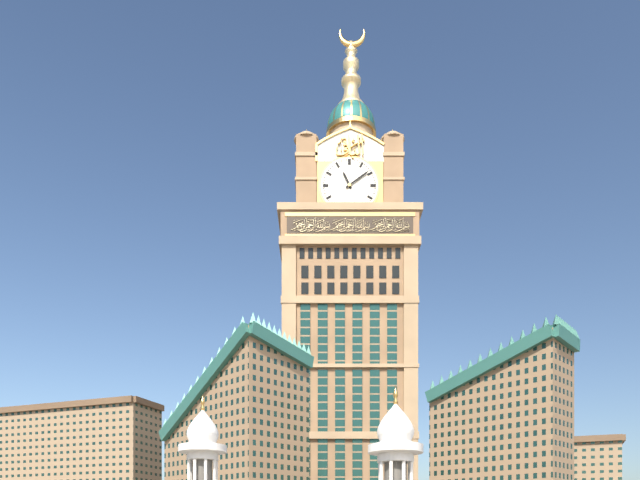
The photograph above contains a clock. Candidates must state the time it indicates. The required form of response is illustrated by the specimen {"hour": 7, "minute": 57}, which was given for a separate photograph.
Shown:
{"hour": 11, "minute": 9}
